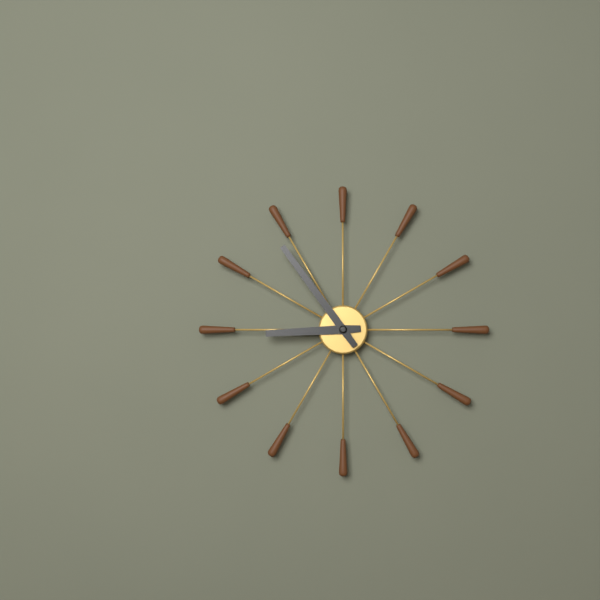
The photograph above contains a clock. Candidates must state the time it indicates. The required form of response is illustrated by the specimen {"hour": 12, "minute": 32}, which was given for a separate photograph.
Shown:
{"hour": 8, "minute": 54}
